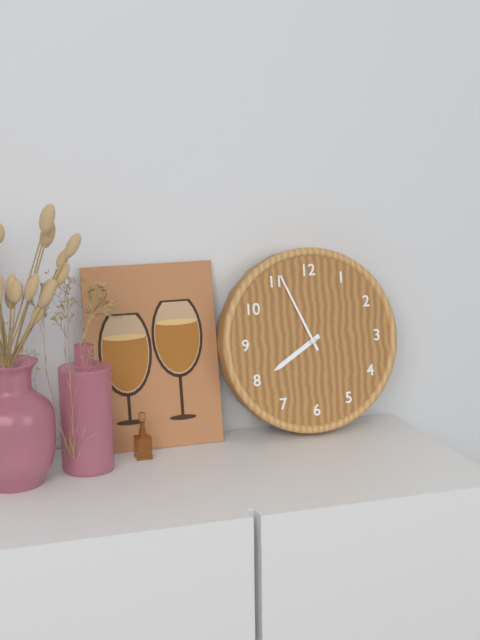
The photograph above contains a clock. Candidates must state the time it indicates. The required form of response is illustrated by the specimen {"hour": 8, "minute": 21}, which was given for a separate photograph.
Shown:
{"hour": 7, "minute": 56}
